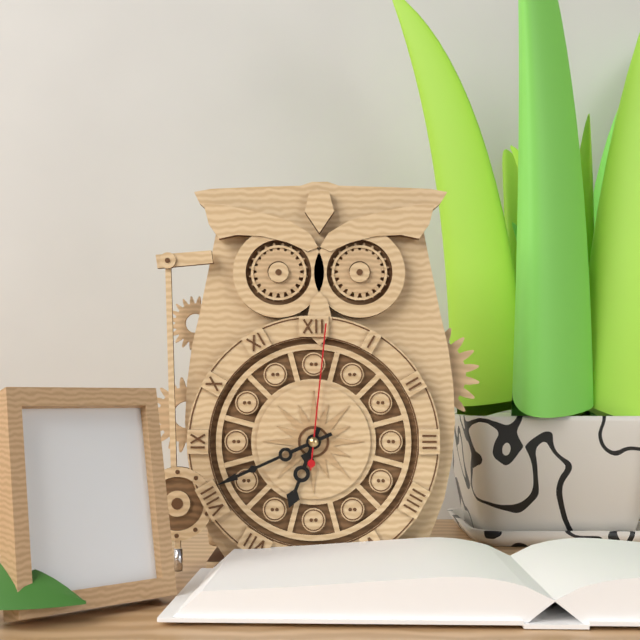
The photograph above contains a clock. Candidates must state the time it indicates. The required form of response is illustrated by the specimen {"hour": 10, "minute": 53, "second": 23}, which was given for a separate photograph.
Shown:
{"hour": 6, "minute": 41, "second": 1}
